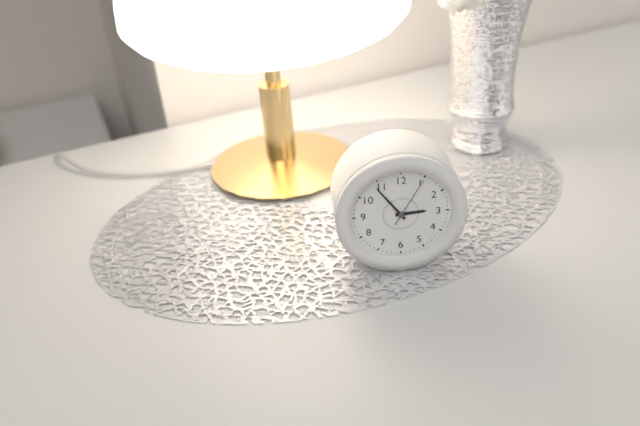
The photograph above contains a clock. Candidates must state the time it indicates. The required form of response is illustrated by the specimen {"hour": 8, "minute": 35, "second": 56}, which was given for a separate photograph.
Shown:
{"hour": 2, "minute": 54, "second": 5}
